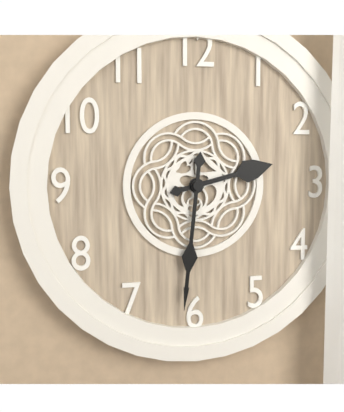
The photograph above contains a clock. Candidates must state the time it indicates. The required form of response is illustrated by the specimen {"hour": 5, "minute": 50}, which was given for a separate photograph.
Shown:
{"hour": 2, "minute": 31}
